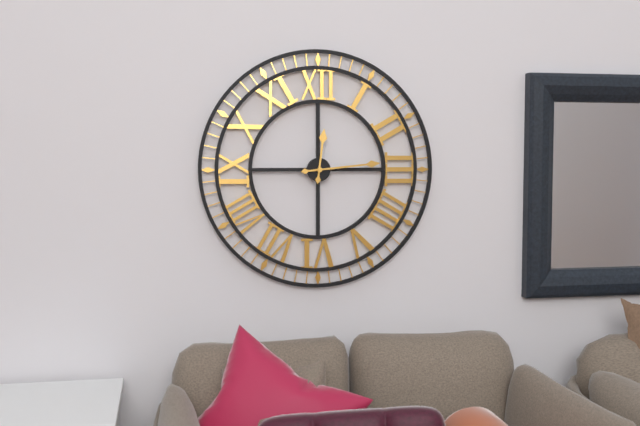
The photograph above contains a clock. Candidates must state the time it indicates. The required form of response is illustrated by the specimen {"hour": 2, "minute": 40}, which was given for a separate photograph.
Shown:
{"hour": 12, "minute": 14}
